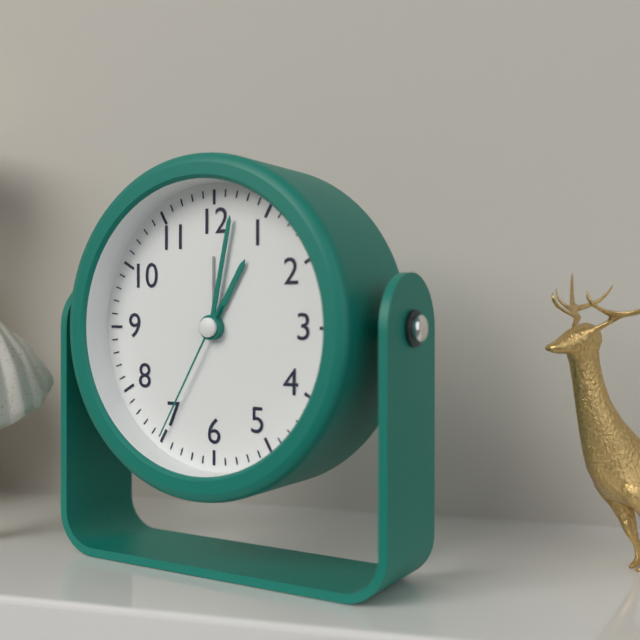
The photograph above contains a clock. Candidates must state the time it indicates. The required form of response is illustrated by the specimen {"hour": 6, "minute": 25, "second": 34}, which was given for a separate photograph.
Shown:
{"hour": 1, "minute": 2, "second": 35}
